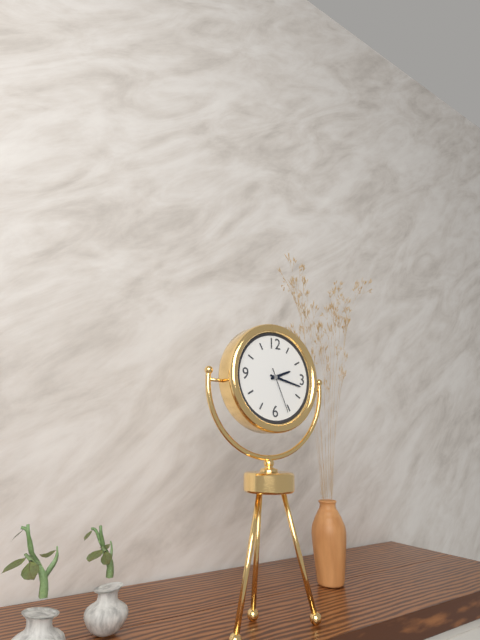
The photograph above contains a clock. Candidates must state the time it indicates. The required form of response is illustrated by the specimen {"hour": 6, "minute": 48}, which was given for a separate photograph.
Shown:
{"hour": 2, "minute": 17}
